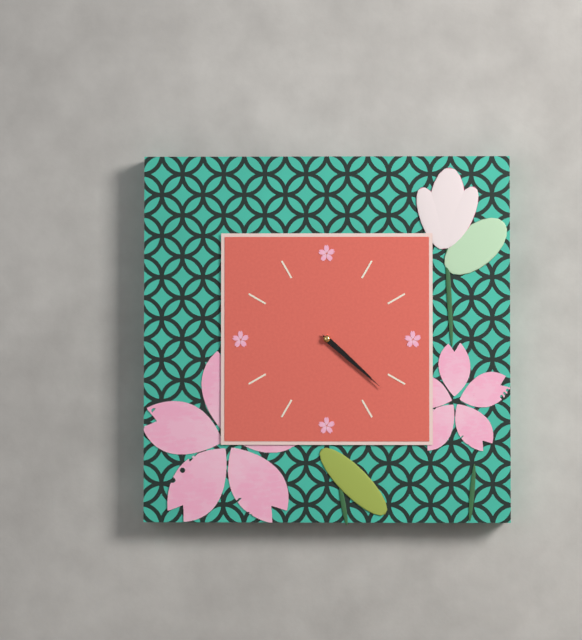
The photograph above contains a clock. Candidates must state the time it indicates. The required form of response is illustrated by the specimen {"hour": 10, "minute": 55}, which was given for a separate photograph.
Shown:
{"hour": 4, "minute": 22}
